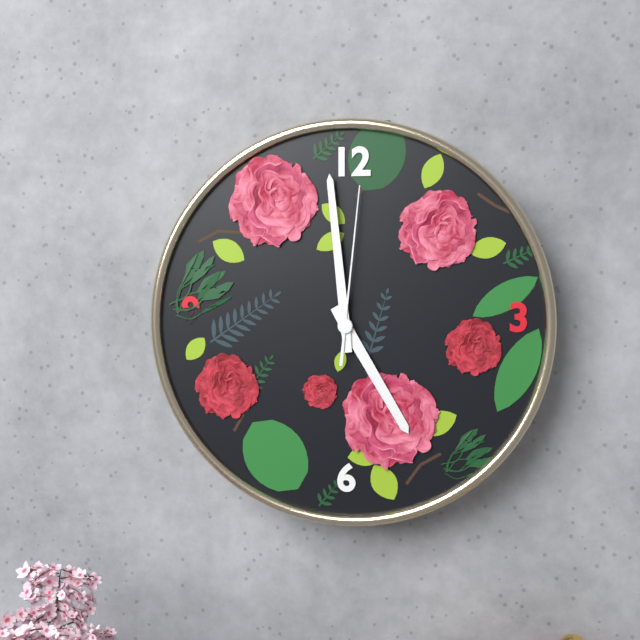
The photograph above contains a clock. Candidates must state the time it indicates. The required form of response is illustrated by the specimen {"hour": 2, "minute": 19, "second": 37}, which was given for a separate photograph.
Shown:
{"hour": 4, "minute": 59, "second": 1}
